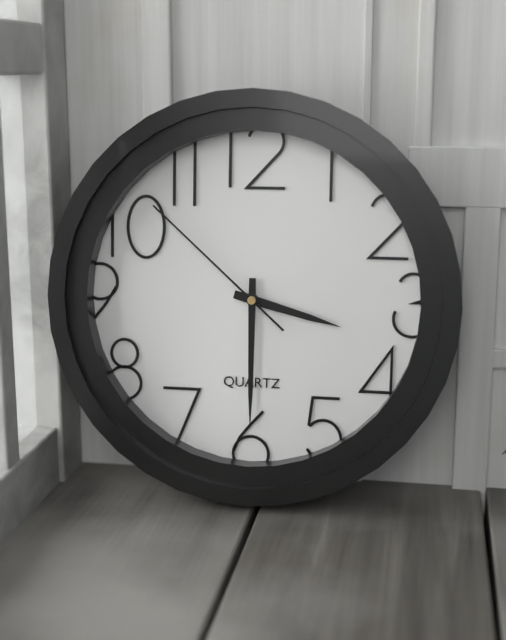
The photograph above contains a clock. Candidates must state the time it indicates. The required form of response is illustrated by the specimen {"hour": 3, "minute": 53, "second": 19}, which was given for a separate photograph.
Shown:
{"hour": 3, "minute": 30, "second": 52}
